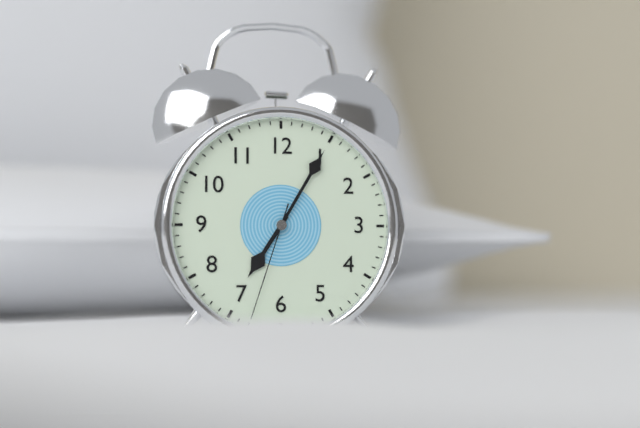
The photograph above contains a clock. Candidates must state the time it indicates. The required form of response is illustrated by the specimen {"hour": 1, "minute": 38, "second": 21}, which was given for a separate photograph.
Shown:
{"hour": 7, "minute": 5, "second": 33}
